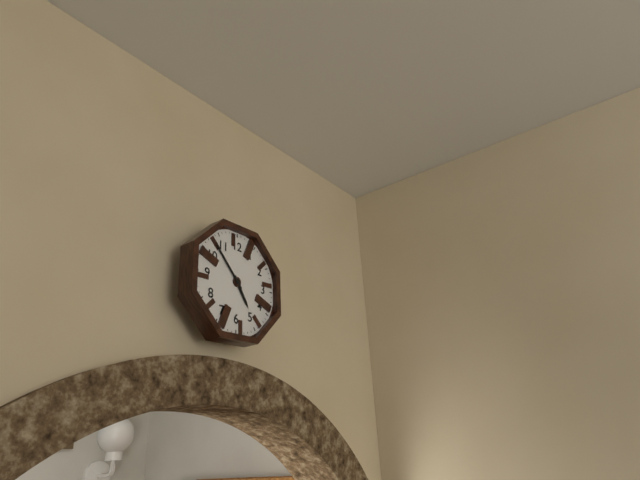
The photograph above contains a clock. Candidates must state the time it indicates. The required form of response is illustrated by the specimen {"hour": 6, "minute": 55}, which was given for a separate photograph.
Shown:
{"hour": 4, "minute": 53}
